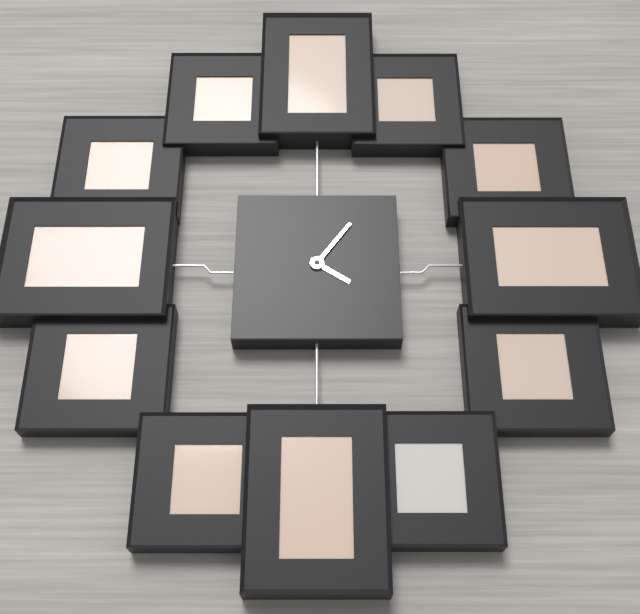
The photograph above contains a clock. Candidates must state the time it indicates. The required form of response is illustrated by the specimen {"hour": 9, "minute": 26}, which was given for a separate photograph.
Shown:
{"hour": 4, "minute": 6}
